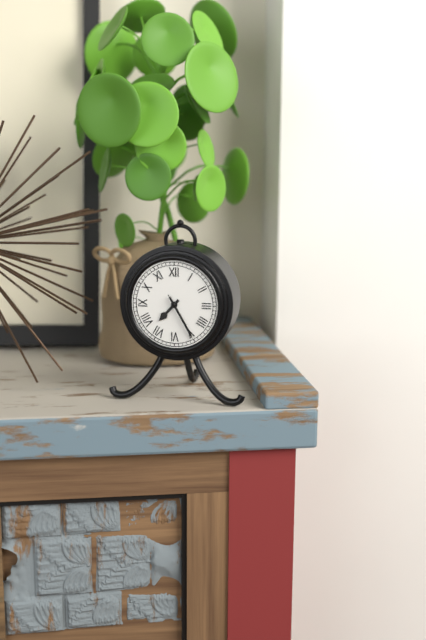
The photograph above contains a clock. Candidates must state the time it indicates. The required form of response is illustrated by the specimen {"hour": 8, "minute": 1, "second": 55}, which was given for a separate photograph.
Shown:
{"hour": 7, "minute": 25, "second": 25}
